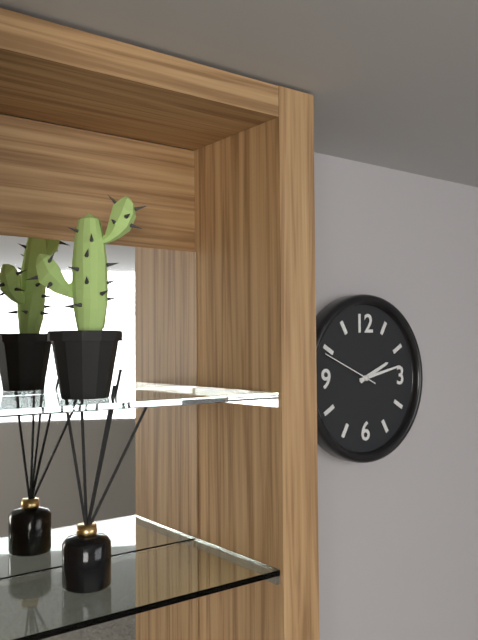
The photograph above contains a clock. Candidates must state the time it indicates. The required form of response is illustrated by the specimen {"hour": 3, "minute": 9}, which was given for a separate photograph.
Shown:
{"hour": 2, "minute": 13}
